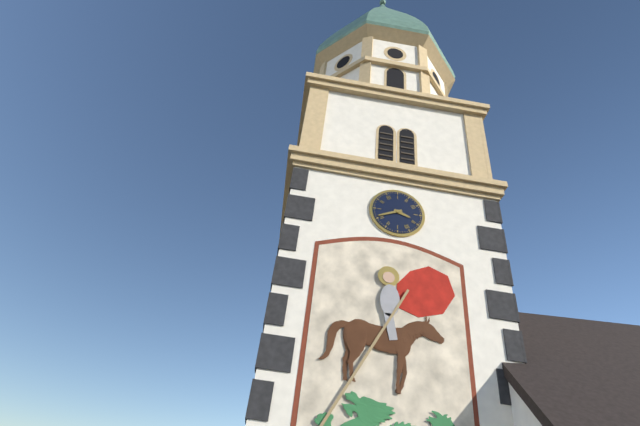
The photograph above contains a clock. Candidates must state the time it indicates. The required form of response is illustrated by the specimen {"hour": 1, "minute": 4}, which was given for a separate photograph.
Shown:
{"hour": 3, "minute": 41}
